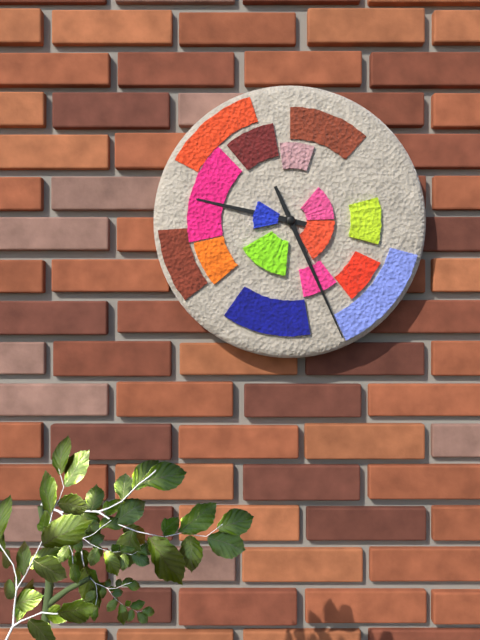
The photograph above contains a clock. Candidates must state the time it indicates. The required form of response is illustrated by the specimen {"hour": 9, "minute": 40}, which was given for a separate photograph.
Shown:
{"hour": 9, "minute": 26}
